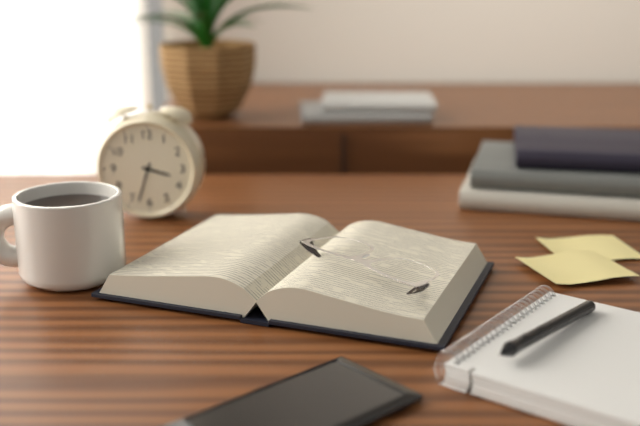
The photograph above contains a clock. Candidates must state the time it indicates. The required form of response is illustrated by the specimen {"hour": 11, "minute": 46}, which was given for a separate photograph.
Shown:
{"hour": 3, "minute": 33}
